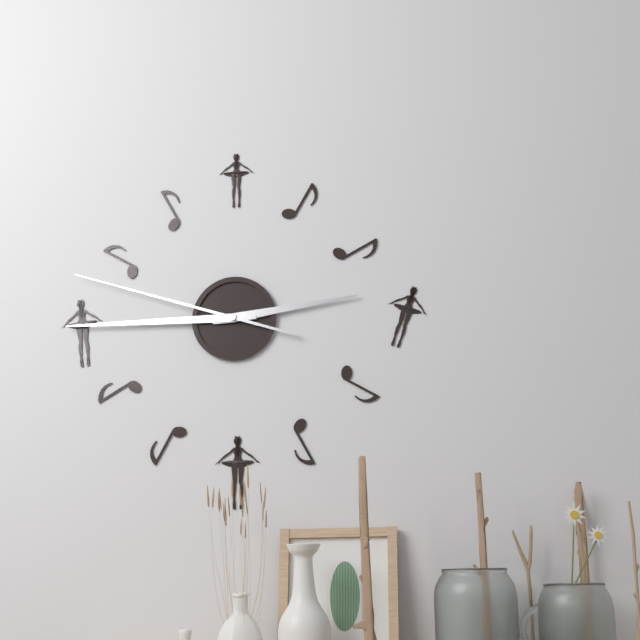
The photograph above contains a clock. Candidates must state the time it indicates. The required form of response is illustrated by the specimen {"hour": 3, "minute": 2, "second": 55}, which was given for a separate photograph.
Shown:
{"hour": 2, "minute": 45, "second": 48}
